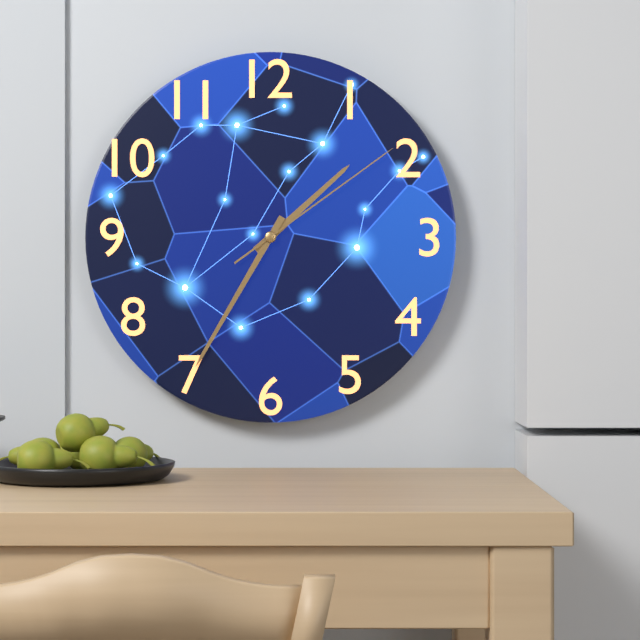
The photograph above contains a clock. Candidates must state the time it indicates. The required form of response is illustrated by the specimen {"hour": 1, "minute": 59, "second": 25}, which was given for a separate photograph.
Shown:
{"hour": 1, "minute": 35, "second": 9}
